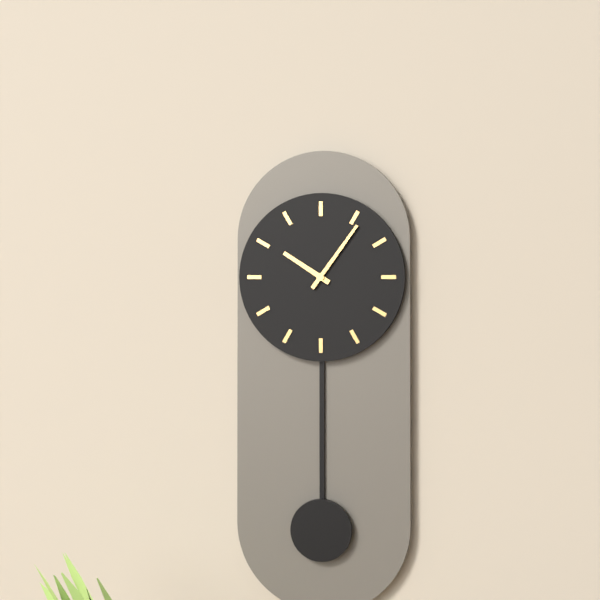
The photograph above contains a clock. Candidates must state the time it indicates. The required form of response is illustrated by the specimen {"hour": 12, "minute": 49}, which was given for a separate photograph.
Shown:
{"hour": 10, "minute": 6}
